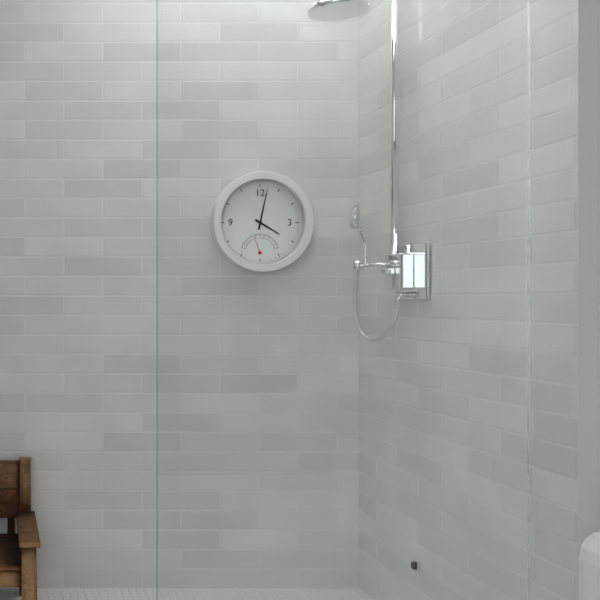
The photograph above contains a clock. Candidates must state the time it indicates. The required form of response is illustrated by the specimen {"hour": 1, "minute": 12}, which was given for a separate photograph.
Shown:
{"hour": 4, "minute": 2}
